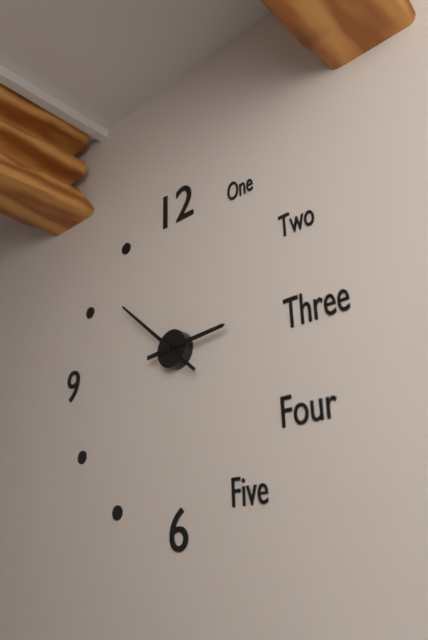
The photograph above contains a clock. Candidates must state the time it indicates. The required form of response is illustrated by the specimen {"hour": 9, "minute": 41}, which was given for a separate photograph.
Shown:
{"hour": 2, "minute": 52}
